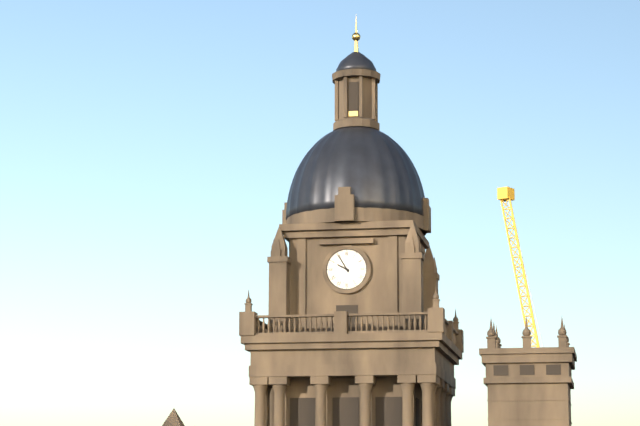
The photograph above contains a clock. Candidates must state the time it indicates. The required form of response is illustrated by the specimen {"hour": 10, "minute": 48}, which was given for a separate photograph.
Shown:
{"hour": 9, "minute": 55}
